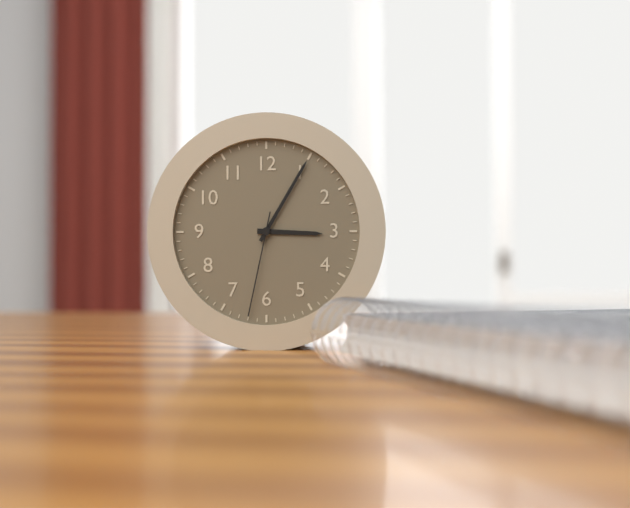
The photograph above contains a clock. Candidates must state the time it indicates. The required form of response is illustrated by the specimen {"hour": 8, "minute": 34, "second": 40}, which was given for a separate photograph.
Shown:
{"hour": 3, "minute": 5, "second": 32}
